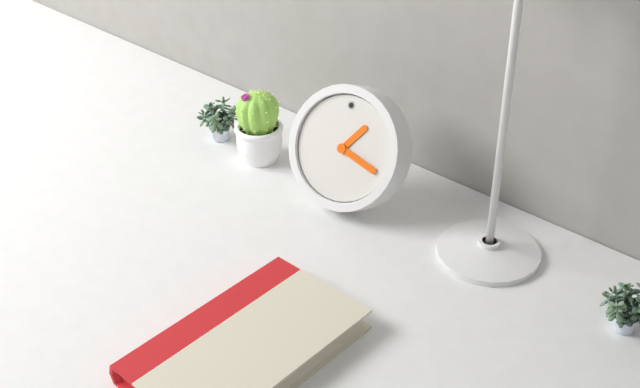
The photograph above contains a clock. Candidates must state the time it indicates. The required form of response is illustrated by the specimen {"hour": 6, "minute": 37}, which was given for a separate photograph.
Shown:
{"hour": 1, "minute": 18}
